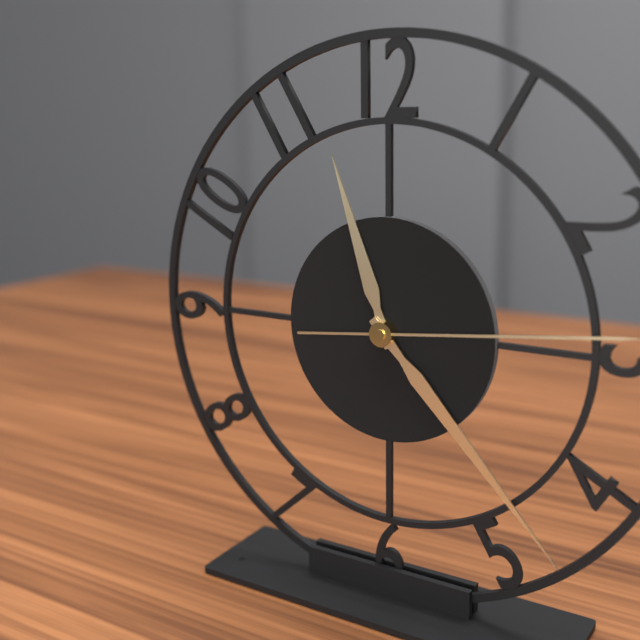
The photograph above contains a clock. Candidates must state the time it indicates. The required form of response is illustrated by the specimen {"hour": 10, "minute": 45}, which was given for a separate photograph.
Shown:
{"hour": 11, "minute": 23}
